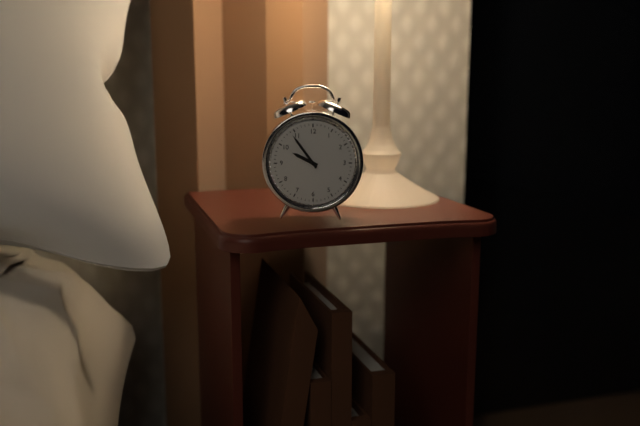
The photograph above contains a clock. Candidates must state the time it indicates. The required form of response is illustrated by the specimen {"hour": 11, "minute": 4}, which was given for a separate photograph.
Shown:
{"hour": 9, "minute": 54}
